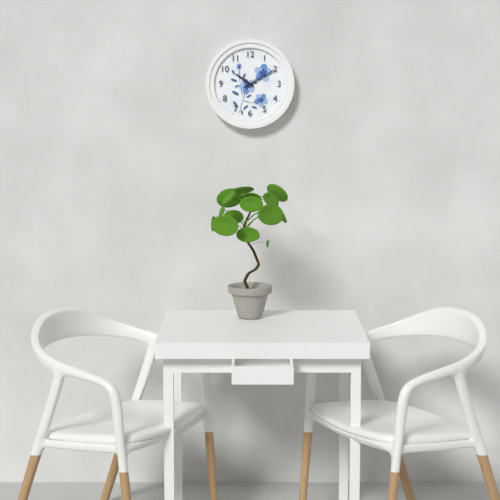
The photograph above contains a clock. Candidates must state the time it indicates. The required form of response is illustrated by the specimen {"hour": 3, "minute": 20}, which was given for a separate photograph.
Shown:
{"hour": 10, "minute": 10}
